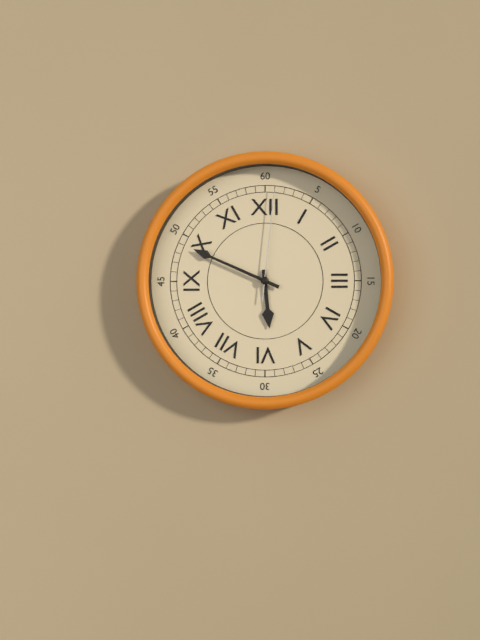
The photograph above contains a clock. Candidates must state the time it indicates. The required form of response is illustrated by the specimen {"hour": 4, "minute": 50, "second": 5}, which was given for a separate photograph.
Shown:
{"hour": 5, "minute": 49, "second": 1}
